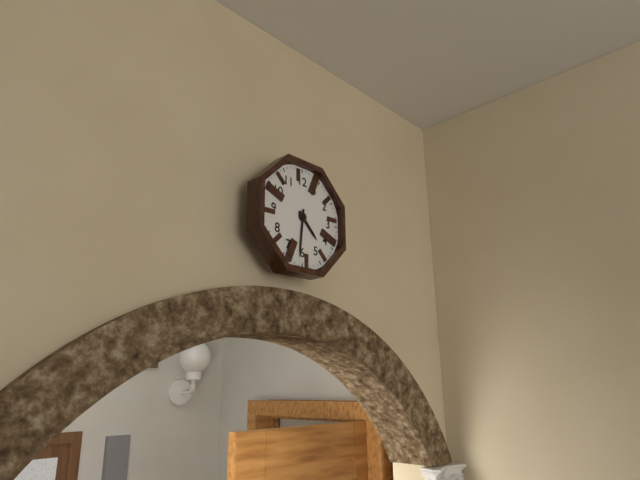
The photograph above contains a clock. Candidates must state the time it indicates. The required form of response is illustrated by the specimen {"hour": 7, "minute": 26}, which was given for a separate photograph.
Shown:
{"hour": 4, "minute": 31}
